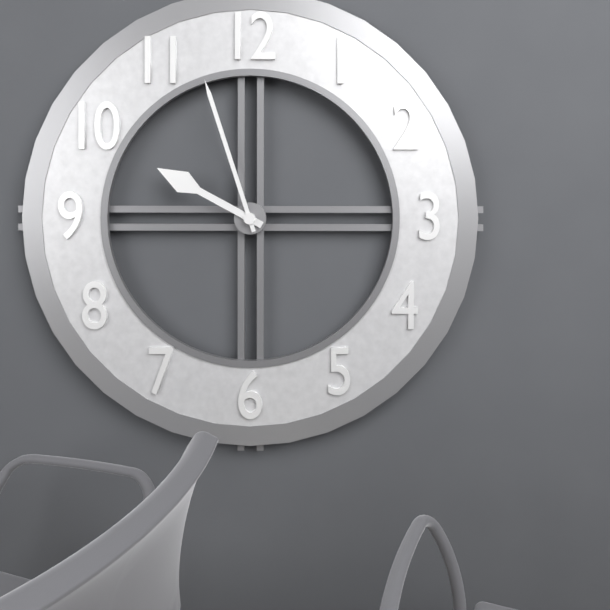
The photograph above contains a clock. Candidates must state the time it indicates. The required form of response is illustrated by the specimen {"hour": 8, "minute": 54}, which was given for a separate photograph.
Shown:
{"hour": 9, "minute": 57}
